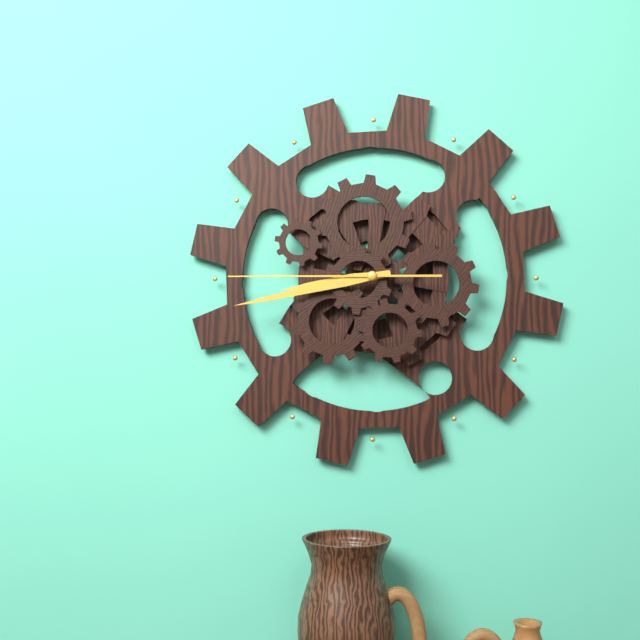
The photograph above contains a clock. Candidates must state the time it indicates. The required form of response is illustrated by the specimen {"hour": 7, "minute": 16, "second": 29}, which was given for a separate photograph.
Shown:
{"hour": 8, "minute": 43, "second": 45}
